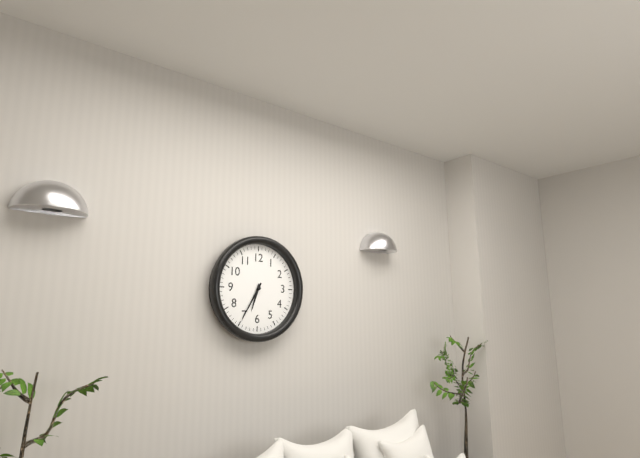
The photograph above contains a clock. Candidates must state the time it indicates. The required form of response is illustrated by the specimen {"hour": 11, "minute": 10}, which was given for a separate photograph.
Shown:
{"hour": 6, "minute": 35}
